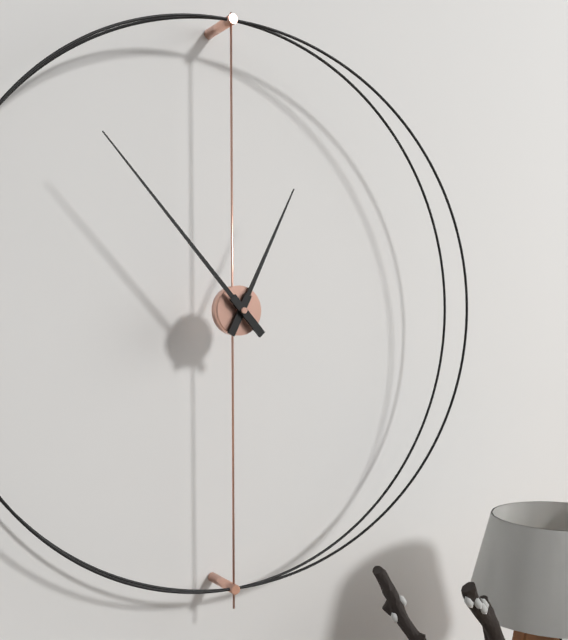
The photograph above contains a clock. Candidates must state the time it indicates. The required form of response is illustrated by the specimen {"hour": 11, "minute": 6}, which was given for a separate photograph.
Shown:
{"hour": 12, "minute": 53}
